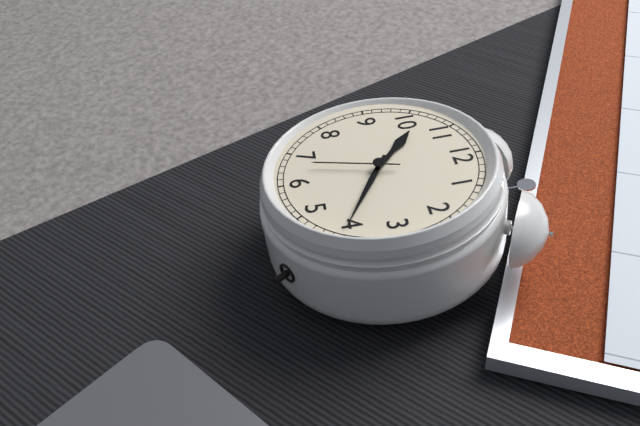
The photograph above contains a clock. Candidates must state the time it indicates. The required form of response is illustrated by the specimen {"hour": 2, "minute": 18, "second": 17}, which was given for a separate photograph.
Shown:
{"hour": 10, "minute": 20, "second": 33}
